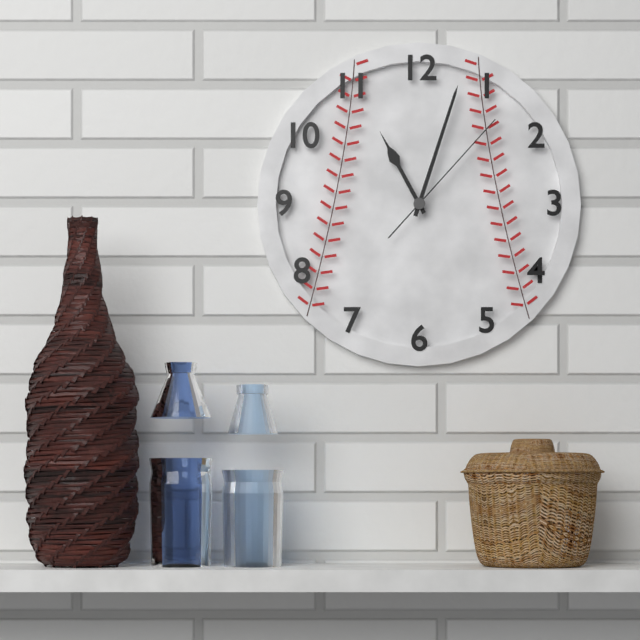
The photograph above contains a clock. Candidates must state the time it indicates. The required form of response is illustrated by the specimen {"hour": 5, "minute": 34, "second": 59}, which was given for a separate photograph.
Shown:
{"hour": 11, "minute": 3, "second": 7}
